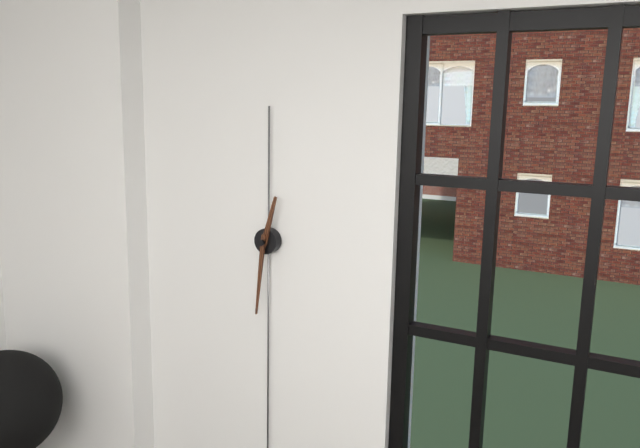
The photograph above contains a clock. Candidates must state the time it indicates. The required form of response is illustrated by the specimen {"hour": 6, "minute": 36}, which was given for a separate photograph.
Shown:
{"hour": 12, "minute": 31}
